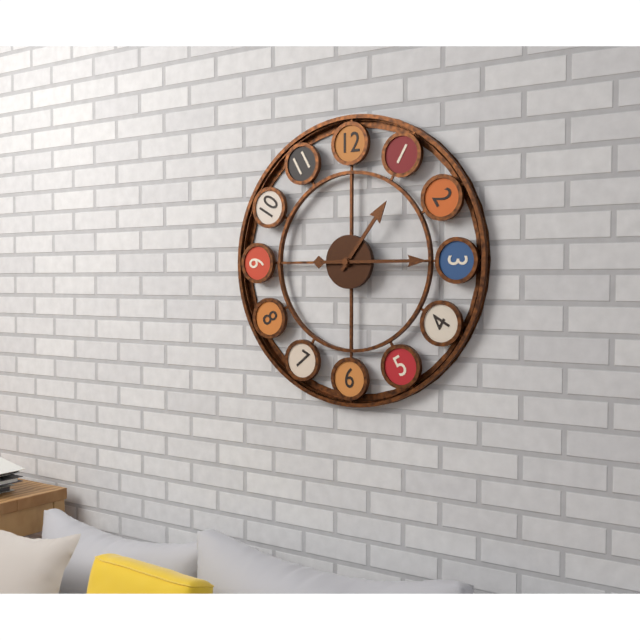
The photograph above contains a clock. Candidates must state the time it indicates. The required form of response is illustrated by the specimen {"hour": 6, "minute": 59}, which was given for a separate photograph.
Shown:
{"hour": 1, "minute": 15}
